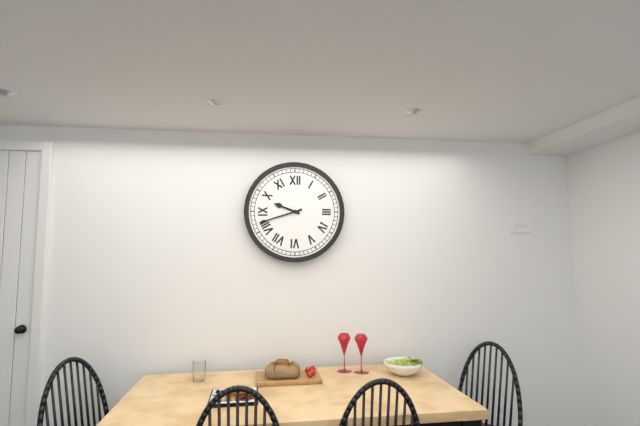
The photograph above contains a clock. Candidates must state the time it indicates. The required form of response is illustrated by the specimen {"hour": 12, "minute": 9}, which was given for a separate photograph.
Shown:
{"hour": 9, "minute": 42}
